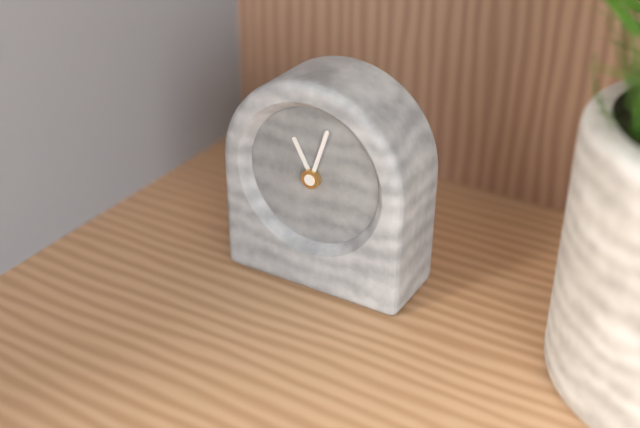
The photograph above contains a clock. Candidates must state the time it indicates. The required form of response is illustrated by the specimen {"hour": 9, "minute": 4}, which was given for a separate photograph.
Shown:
{"hour": 11, "minute": 3}
